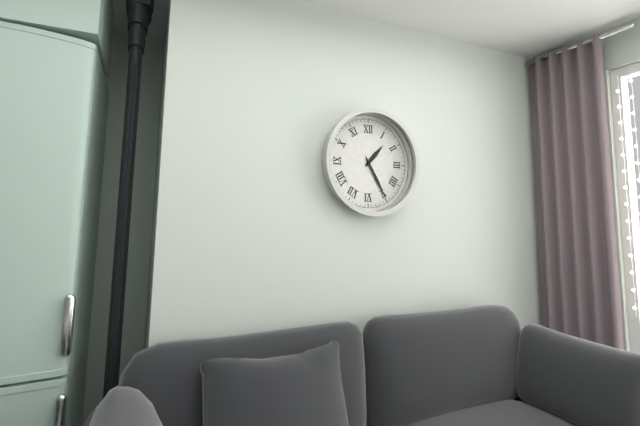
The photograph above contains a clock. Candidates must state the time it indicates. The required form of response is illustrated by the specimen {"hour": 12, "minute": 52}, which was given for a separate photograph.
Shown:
{"hour": 1, "minute": 25}
